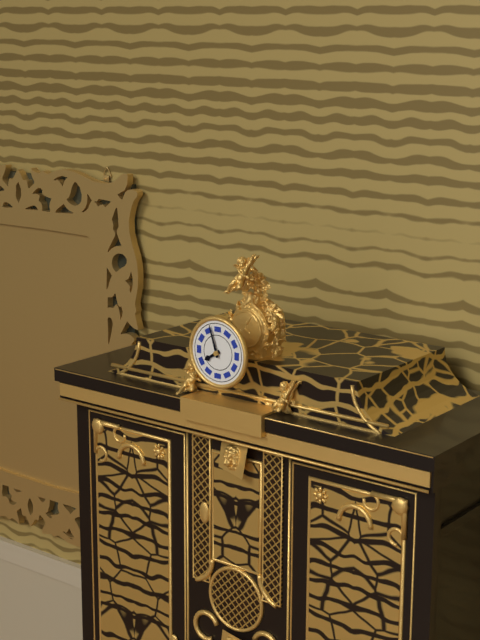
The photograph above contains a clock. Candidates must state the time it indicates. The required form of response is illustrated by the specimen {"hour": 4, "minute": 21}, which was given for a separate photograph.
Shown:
{"hour": 7, "minute": 57}
